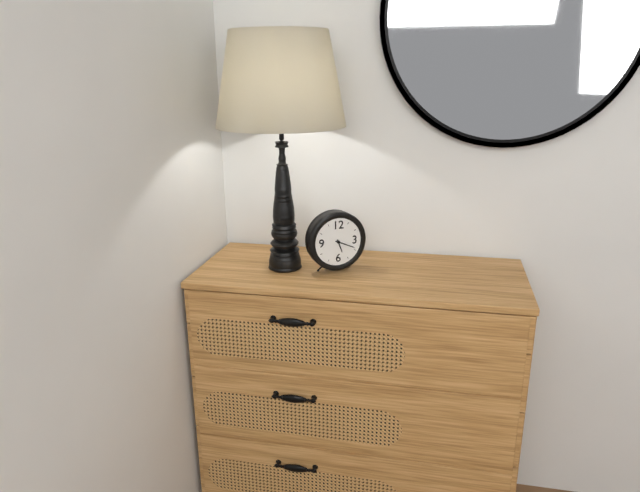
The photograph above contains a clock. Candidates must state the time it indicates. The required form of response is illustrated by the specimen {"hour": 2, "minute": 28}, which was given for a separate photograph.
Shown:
{"hour": 5, "minute": 19}
